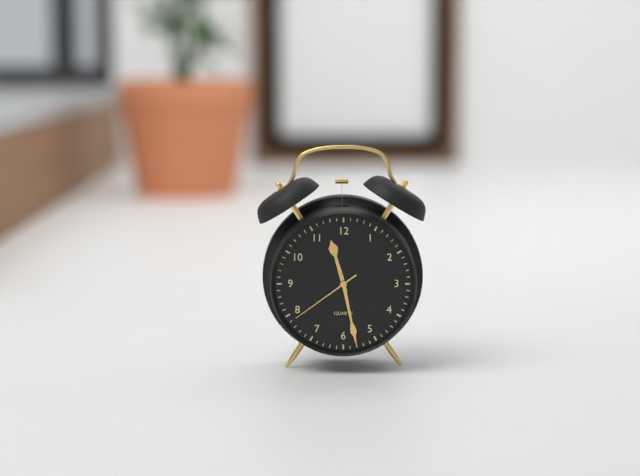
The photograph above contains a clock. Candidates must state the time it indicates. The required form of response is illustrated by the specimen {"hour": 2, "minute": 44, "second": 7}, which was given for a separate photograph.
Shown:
{"hour": 11, "minute": 28, "second": 39}
